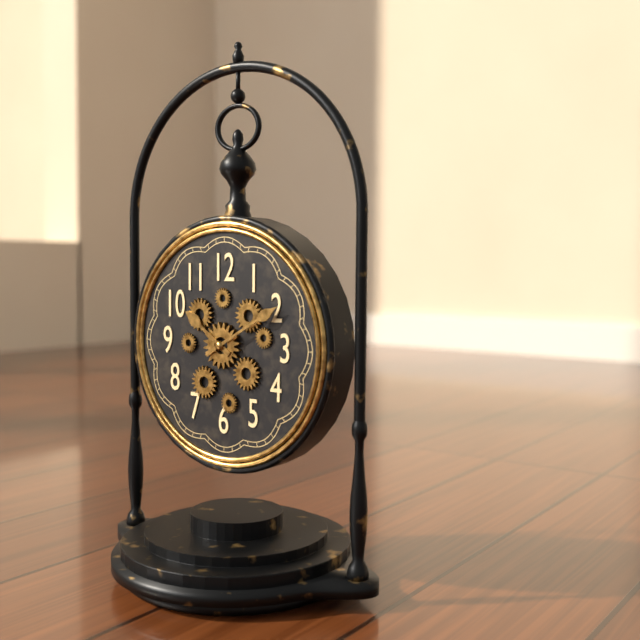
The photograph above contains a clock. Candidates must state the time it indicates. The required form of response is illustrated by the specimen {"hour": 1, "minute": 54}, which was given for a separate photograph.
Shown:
{"hour": 10, "minute": 10}
